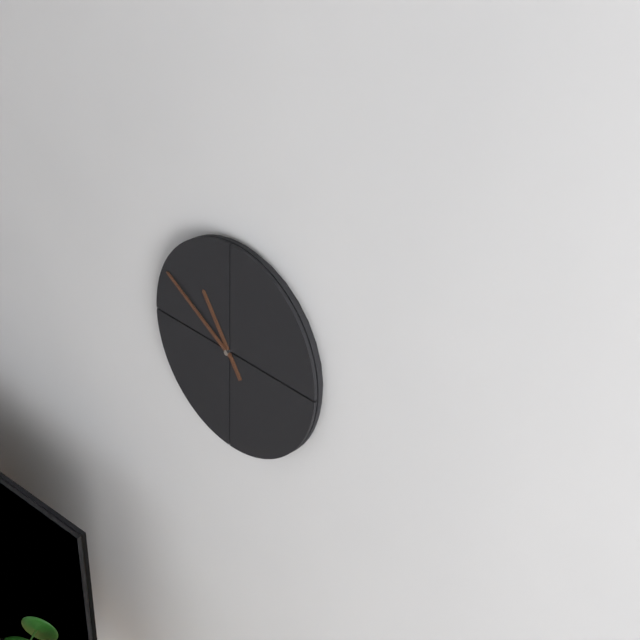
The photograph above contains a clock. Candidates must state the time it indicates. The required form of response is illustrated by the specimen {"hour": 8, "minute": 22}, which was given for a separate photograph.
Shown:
{"hour": 10, "minute": 50}
